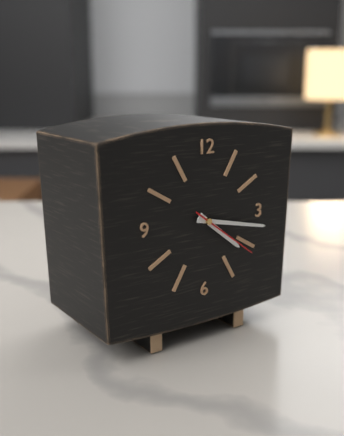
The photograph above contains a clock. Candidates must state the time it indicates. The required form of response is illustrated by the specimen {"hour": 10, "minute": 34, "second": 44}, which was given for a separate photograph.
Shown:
{"hour": 4, "minute": 17, "second": 21}
